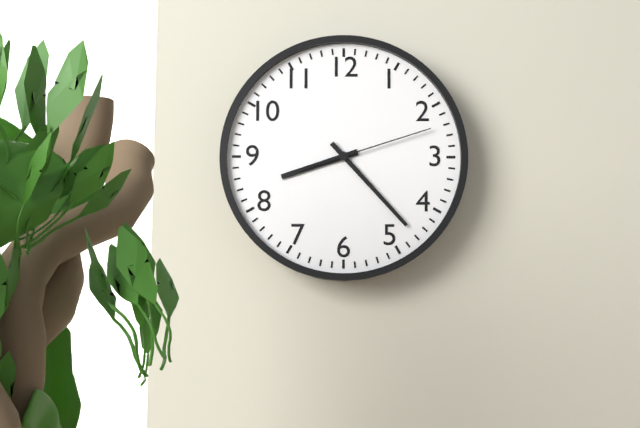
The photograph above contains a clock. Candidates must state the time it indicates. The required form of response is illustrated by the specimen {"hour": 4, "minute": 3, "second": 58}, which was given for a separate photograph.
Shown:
{"hour": 8, "minute": 23, "second": 12}
